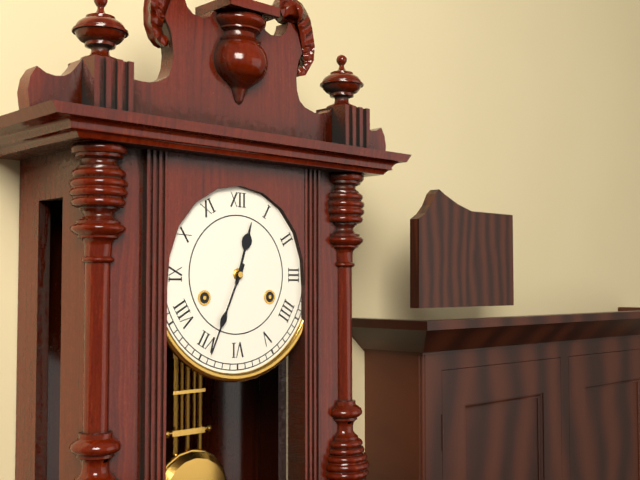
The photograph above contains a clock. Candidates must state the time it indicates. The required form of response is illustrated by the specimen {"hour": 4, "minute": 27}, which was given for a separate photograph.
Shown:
{"hour": 12, "minute": 34}
